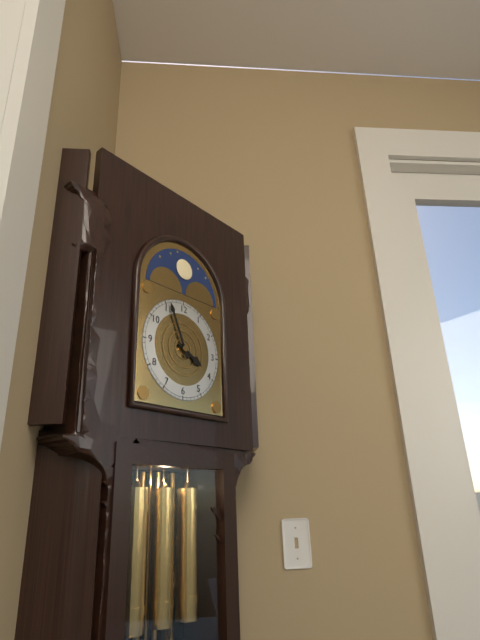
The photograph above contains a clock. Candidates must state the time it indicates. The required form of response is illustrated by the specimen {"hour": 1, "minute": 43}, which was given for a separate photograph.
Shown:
{"hour": 3, "minute": 56}
